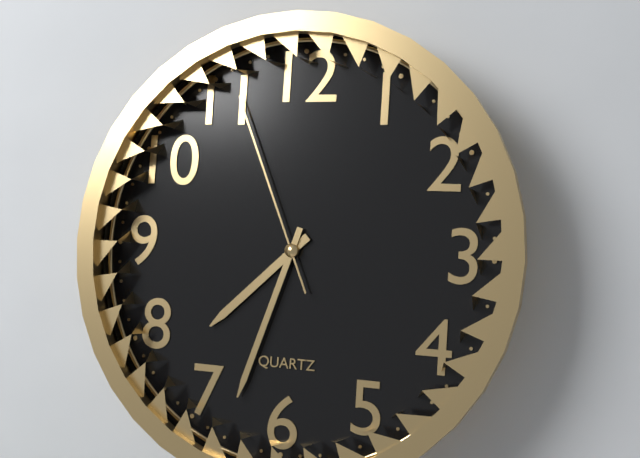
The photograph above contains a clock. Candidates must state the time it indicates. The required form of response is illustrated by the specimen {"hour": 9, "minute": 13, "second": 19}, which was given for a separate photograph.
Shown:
{"hour": 7, "minute": 33, "second": 56}
